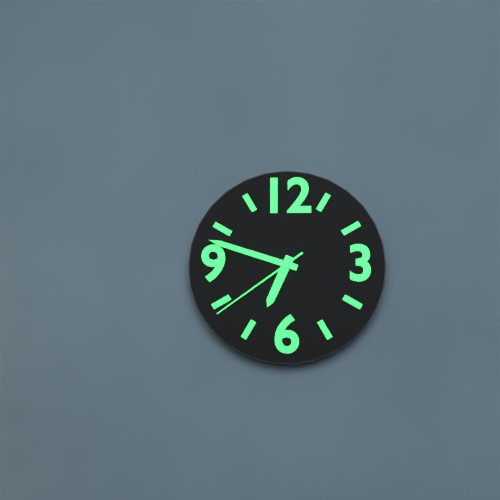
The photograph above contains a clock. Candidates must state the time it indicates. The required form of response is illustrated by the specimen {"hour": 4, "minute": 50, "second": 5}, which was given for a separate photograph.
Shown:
{"hour": 6, "minute": 48, "second": 39}
